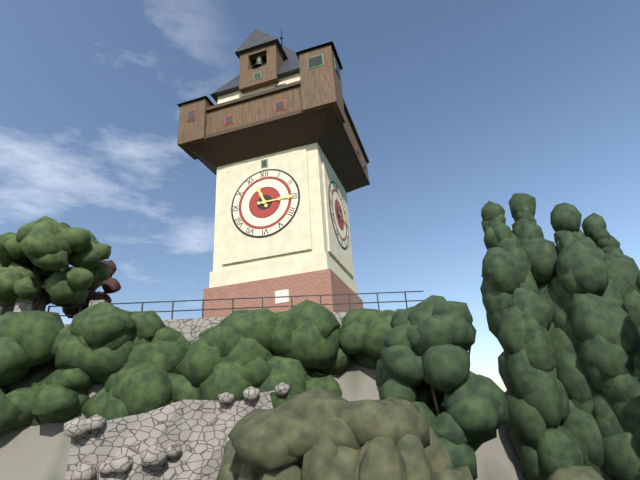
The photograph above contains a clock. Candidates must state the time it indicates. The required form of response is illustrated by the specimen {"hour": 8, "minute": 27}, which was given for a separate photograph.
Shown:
{"hour": 11, "minute": 15}
